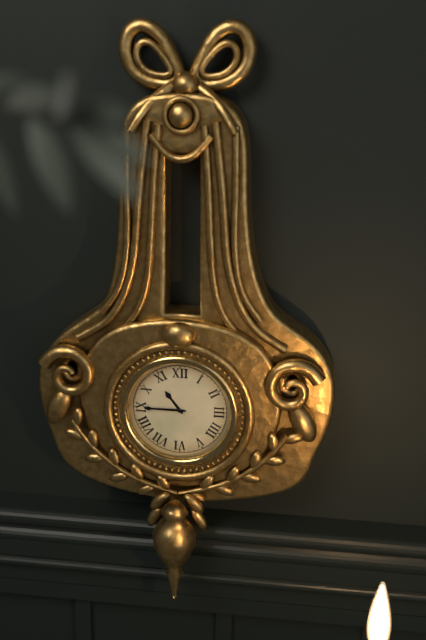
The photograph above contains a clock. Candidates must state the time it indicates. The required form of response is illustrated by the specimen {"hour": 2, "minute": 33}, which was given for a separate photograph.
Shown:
{"hour": 10, "minute": 45}
